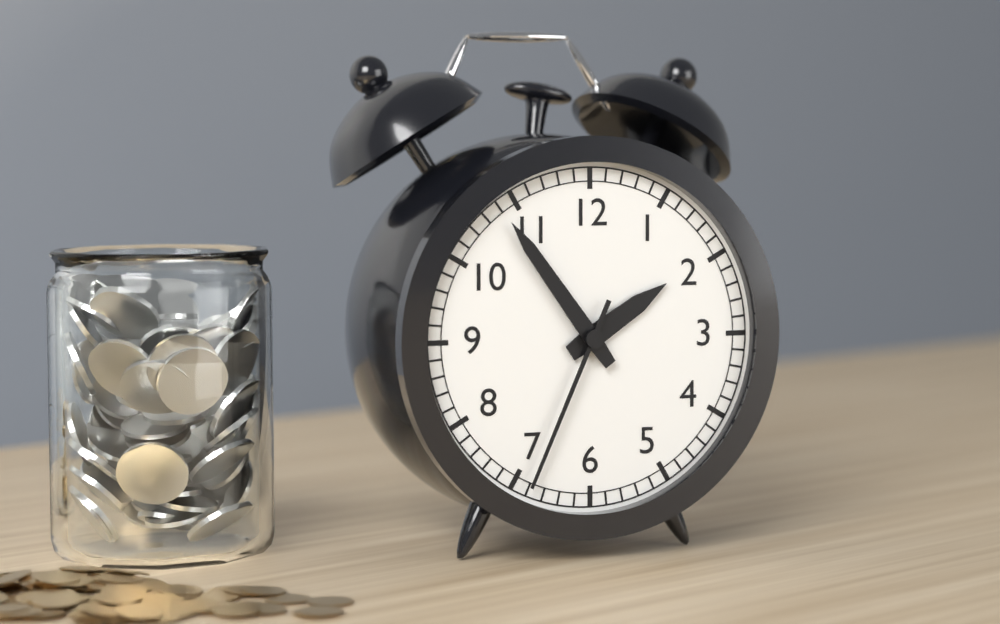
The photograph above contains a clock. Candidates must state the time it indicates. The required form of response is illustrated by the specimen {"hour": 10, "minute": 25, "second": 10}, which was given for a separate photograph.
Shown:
{"hour": 1, "minute": 54, "second": 34}
